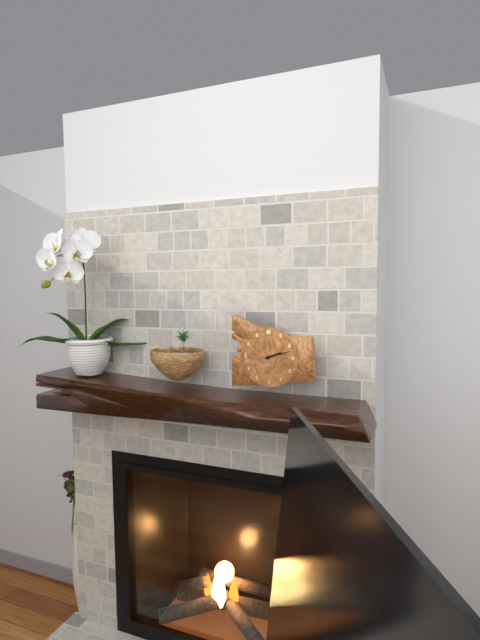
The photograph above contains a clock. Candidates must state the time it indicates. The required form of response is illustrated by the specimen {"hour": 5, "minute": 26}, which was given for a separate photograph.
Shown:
{"hour": 2, "minute": 12}
